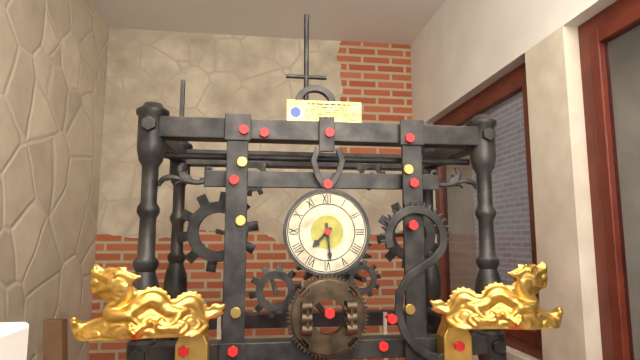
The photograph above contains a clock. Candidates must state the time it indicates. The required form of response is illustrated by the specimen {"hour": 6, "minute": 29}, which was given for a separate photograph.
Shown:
{"hour": 7, "minute": 29}
